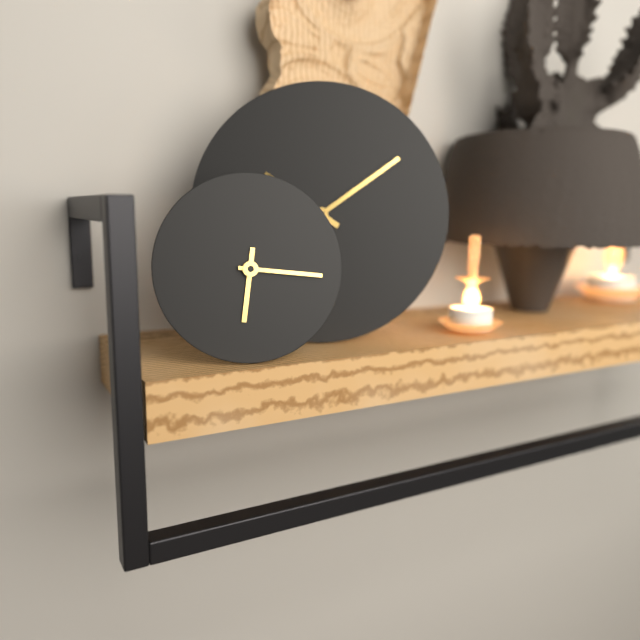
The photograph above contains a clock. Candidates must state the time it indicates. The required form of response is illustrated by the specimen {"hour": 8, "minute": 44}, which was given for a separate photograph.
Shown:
{"hour": 6, "minute": 16}
